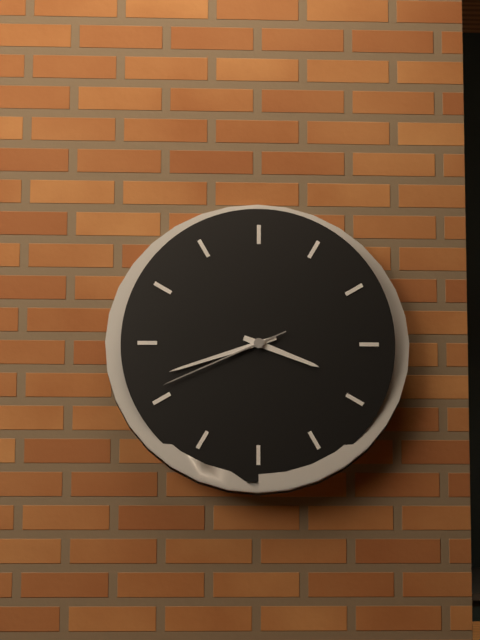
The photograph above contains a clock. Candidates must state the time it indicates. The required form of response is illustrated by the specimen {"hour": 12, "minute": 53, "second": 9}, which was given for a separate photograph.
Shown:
{"hour": 3, "minute": 42, "second": 41}
